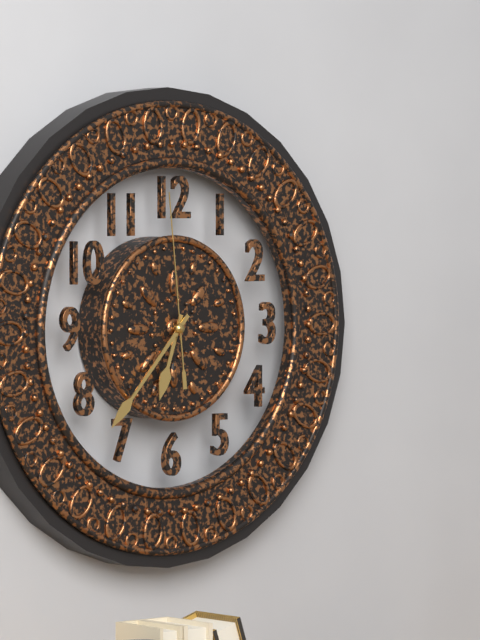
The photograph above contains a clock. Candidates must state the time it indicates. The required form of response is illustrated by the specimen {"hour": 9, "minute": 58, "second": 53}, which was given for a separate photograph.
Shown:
{"hour": 6, "minute": 37, "second": 59}
